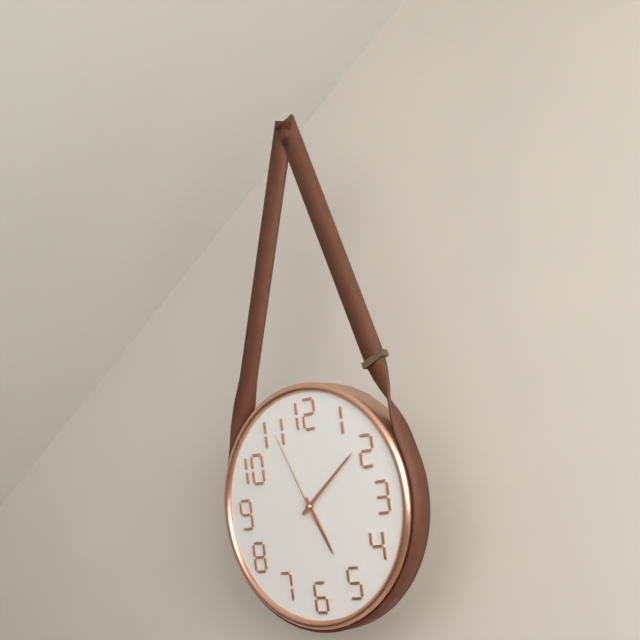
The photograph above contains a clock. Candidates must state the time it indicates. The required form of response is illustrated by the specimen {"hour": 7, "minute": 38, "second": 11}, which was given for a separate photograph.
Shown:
{"hour": 5, "minute": 9, "second": 56}
